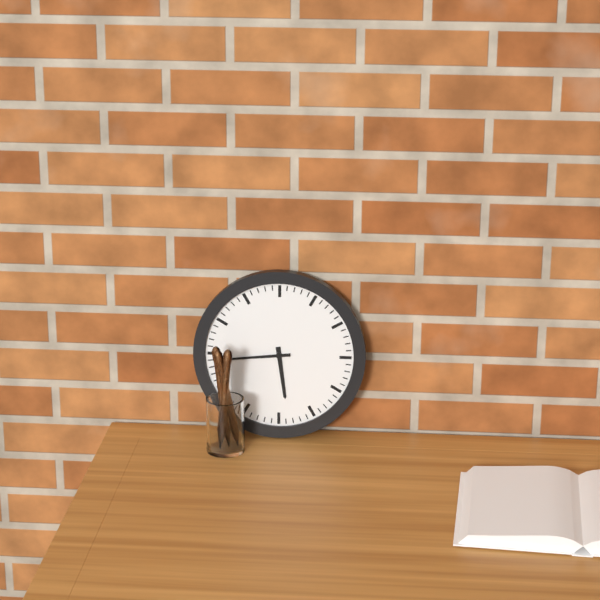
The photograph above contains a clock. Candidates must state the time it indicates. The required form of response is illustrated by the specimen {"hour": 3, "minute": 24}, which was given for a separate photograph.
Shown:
{"hour": 5, "minute": 44}
